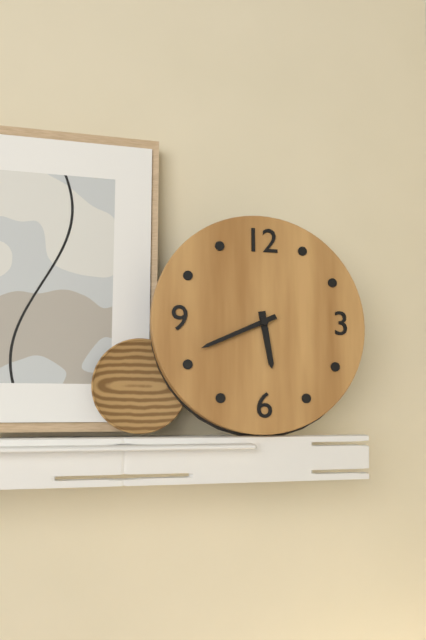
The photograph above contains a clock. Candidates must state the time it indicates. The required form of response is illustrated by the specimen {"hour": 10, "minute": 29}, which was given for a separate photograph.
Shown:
{"hour": 5, "minute": 41}
